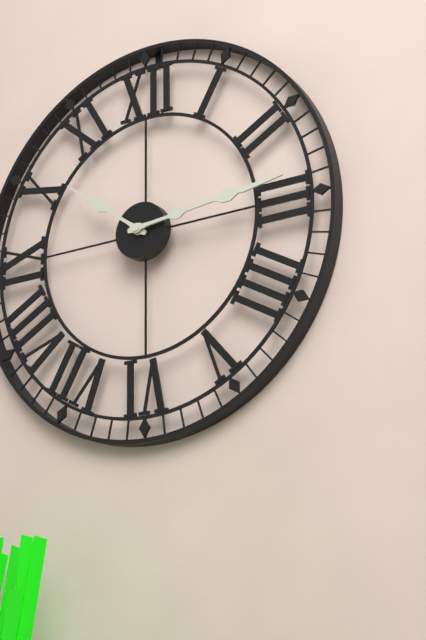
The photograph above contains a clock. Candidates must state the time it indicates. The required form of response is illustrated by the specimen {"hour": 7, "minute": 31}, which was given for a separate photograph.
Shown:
{"hour": 10, "minute": 14}
